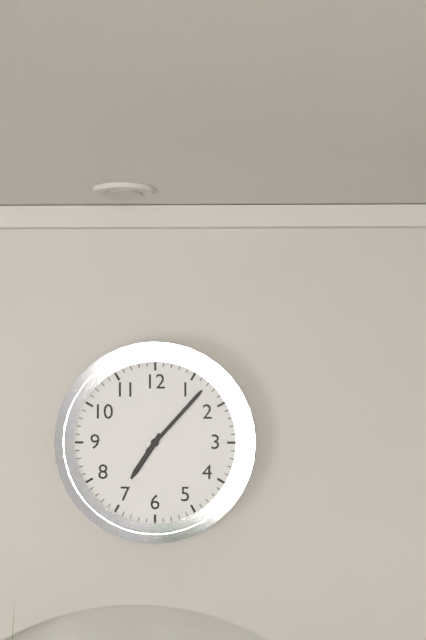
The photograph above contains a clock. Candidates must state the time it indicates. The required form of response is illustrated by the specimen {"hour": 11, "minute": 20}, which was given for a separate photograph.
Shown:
{"hour": 7, "minute": 7}
